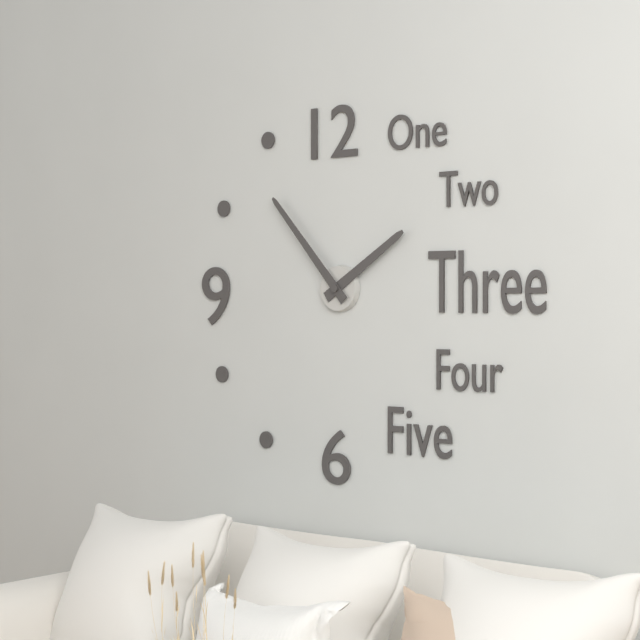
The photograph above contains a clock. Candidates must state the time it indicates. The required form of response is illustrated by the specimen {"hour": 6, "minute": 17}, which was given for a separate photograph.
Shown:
{"hour": 1, "minute": 53}
